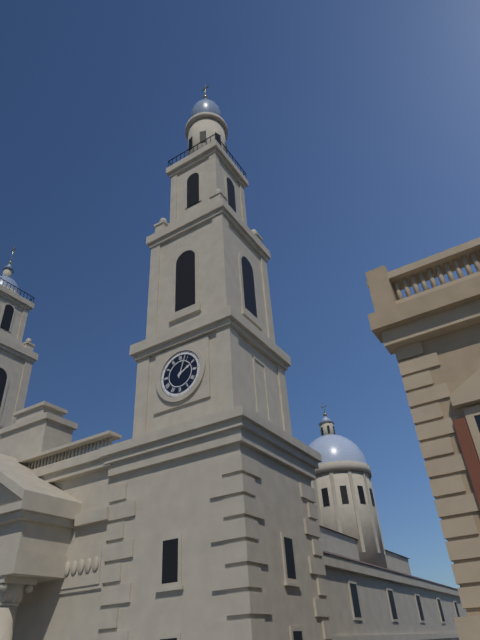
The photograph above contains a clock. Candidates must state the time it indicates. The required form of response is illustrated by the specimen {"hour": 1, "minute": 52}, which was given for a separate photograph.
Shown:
{"hour": 2, "minute": 3}
